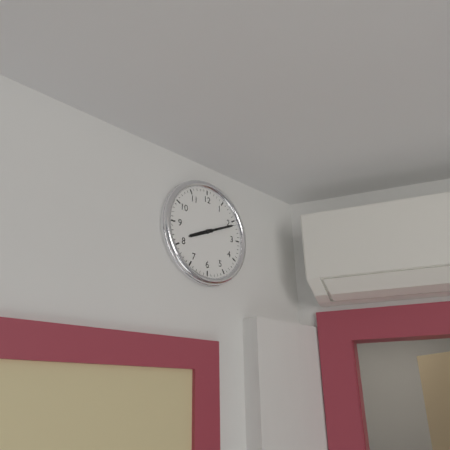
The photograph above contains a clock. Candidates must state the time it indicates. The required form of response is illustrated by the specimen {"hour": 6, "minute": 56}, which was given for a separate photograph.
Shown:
{"hour": 8, "minute": 11}
